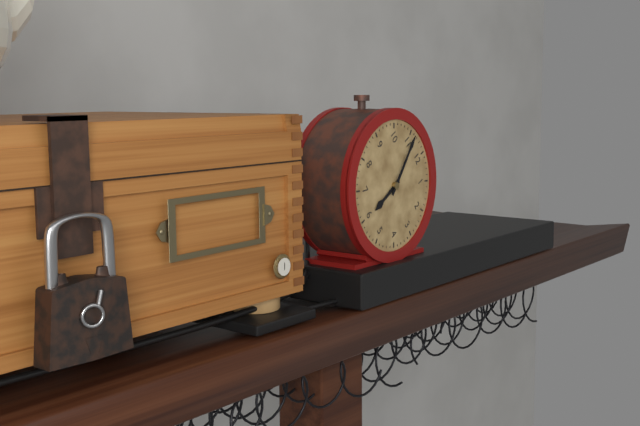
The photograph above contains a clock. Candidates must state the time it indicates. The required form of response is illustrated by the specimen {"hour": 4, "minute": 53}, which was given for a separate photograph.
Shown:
{"hour": 5, "minute": 56}
